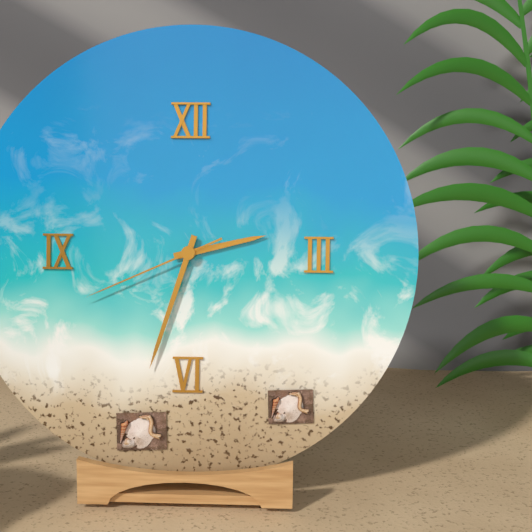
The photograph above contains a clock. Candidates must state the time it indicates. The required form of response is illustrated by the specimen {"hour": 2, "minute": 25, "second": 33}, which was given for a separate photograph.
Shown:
{"hour": 2, "minute": 33, "second": 41}
